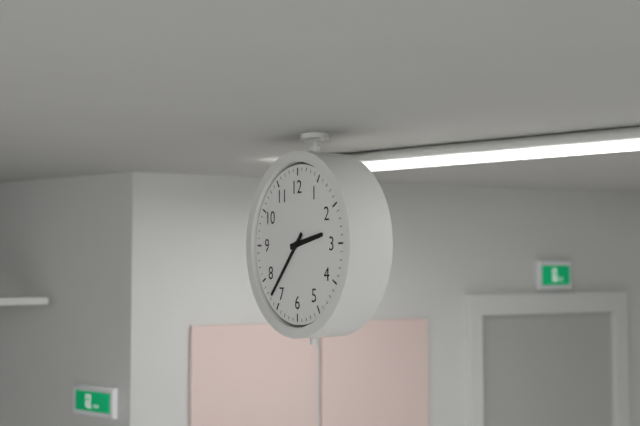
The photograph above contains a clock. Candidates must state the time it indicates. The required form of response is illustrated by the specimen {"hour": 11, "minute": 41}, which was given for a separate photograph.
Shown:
{"hour": 2, "minute": 37}
